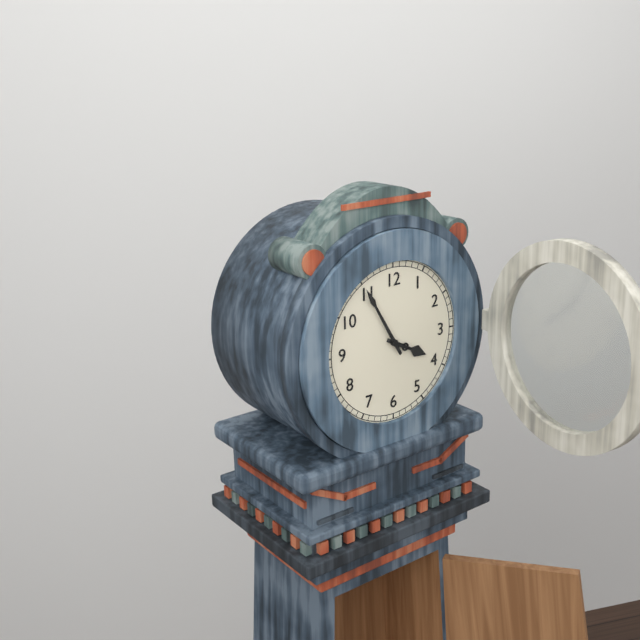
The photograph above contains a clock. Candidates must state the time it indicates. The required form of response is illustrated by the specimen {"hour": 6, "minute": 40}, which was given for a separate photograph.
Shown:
{"hour": 3, "minute": 55}
